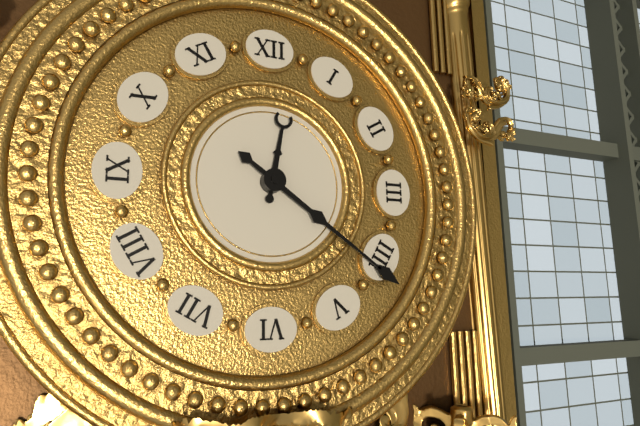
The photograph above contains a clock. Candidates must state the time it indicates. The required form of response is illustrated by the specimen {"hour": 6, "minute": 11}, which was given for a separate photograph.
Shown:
{"hour": 12, "minute": 21}
